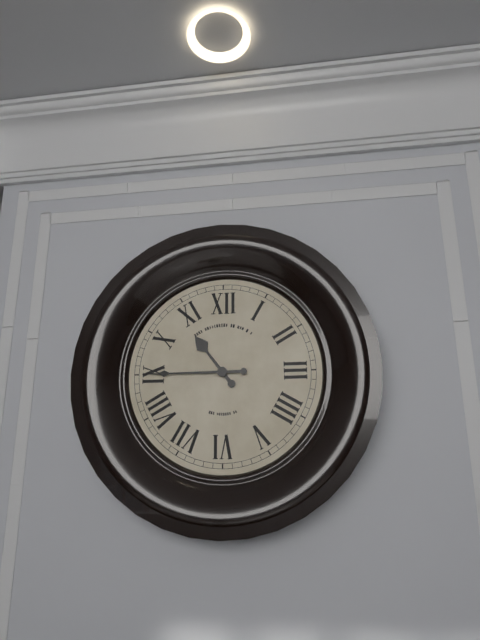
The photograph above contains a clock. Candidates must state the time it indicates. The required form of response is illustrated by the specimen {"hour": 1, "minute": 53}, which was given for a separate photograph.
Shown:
{"hour": 10, "minute": 45}
